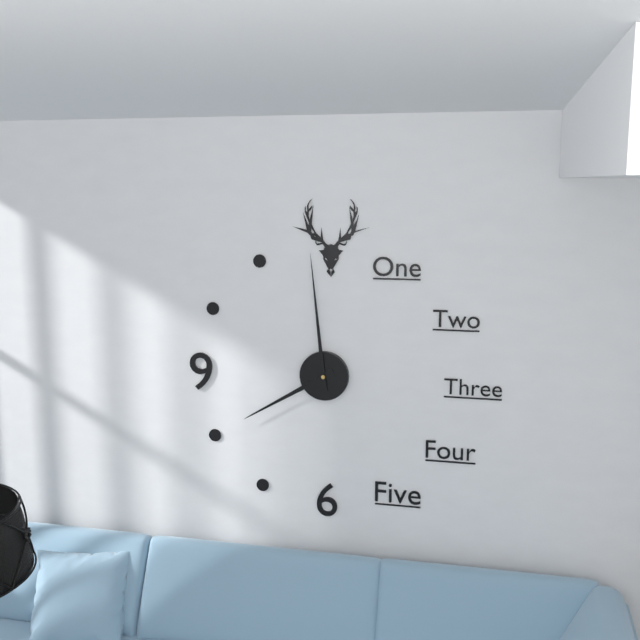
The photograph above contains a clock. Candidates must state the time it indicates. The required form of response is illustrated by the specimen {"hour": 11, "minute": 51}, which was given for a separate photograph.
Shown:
{"hour": 7, "minute": 59}
